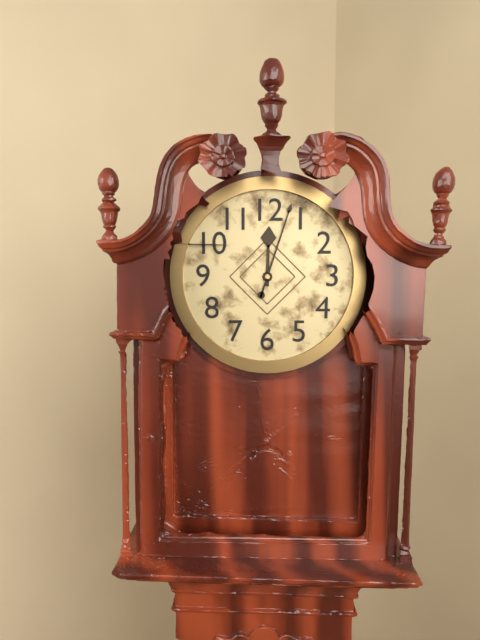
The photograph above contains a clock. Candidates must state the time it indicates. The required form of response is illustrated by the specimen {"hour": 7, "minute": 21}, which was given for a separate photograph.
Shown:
{"hour": 12, "minute": 3}
